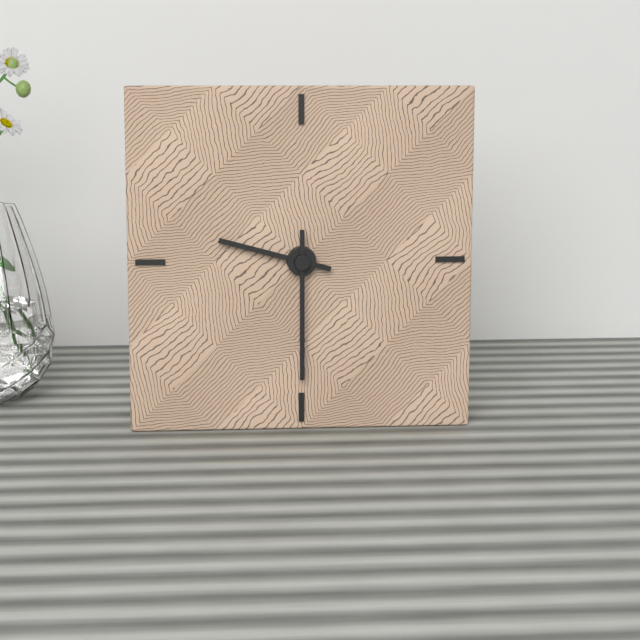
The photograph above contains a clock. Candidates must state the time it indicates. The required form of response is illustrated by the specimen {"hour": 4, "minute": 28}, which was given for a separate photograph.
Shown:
{"hour": 9, "minute": 30}
